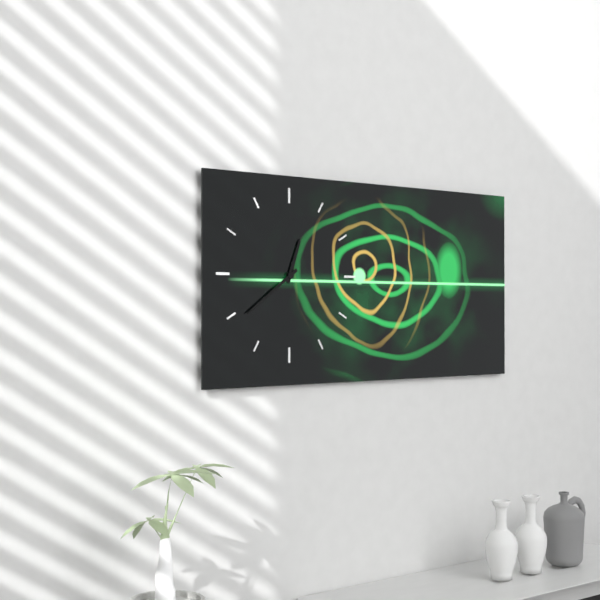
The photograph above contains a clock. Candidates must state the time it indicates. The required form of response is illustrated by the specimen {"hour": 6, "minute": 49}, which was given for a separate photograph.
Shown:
{"hour": 12, "minute": 39}
